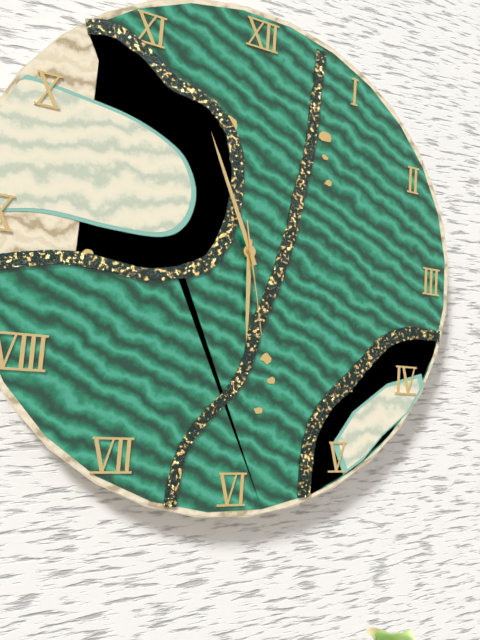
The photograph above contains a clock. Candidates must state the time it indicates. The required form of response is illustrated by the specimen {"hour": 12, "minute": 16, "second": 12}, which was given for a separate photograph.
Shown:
{"hour": 5, "minute": 56, "second": 28}
